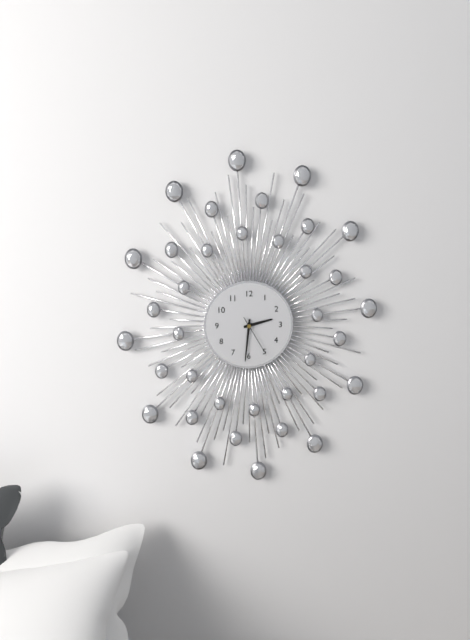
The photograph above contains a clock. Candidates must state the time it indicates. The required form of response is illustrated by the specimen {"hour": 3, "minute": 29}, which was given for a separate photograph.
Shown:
{"hour": 2, "minute": 31}
